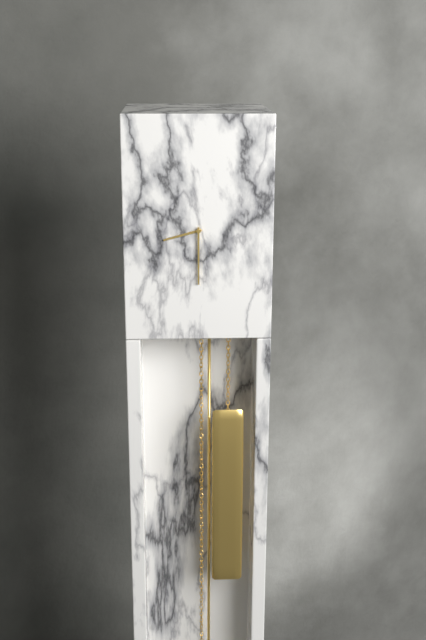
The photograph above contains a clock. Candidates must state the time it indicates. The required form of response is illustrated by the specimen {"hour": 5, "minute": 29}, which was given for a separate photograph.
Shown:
{"hour": 8, "minute": 30}
